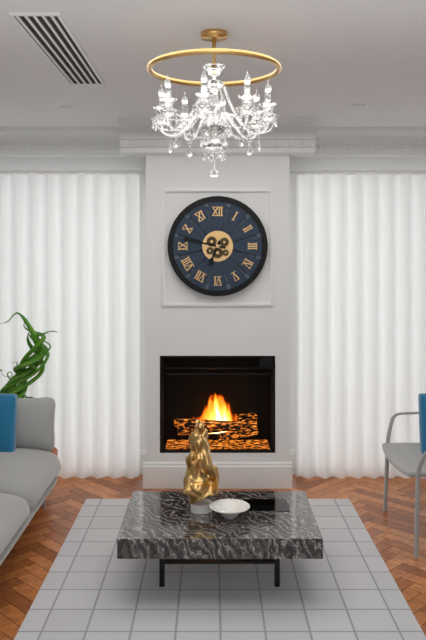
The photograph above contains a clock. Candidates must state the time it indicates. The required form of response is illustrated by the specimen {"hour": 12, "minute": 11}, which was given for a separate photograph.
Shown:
{"hour": 6, "minute": 47}
